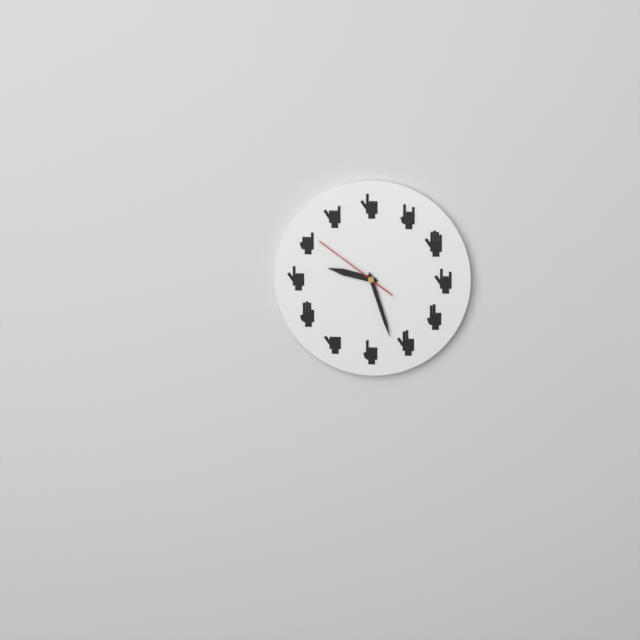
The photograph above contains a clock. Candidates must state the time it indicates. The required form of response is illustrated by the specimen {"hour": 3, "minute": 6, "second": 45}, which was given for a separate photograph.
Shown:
{"hour": 9, "minute": 27, "second": 51}
